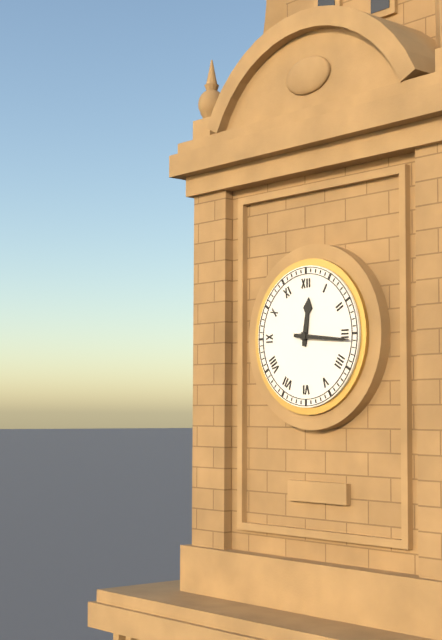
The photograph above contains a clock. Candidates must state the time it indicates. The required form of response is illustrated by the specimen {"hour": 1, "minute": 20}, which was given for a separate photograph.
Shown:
{"hour": 12, "minute": 16}
